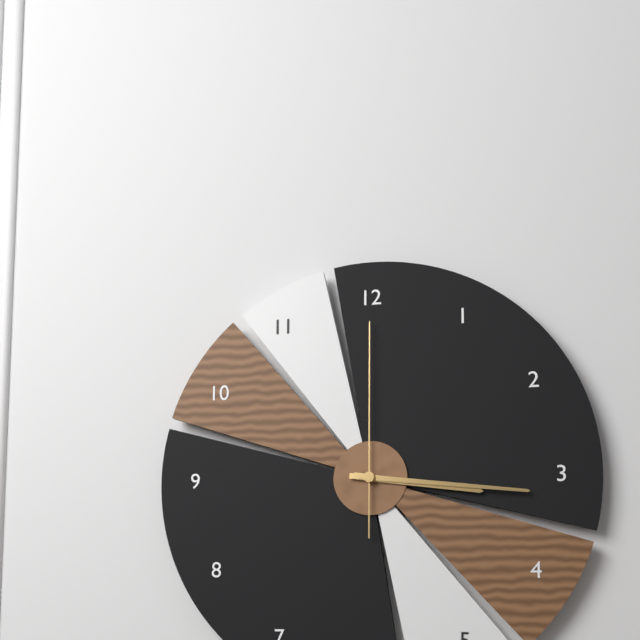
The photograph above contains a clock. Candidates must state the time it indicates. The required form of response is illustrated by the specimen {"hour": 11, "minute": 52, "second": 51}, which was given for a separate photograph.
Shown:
{"hour": 3, "minute": 16, "second": 0}
